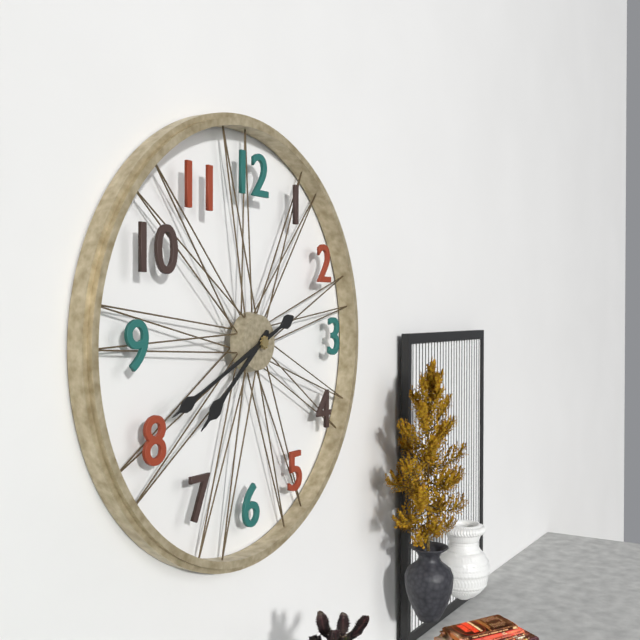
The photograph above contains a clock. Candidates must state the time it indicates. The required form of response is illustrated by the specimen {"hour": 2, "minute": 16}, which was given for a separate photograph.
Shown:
{"hour": 7, "minute": 41}
